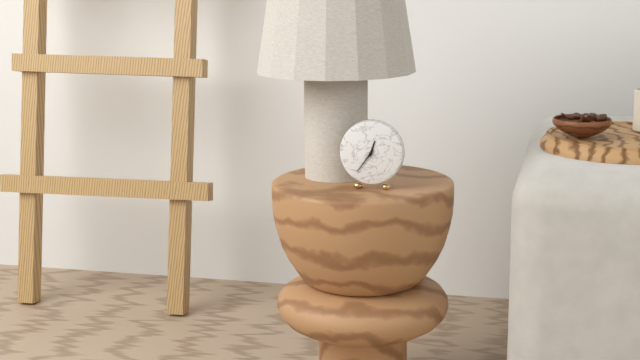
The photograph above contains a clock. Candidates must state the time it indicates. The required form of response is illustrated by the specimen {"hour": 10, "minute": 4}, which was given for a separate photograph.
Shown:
{"hour": 12, "minute": 36}
